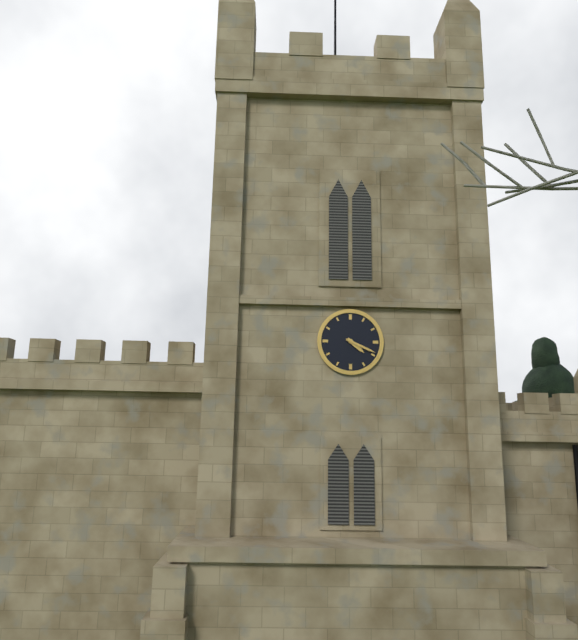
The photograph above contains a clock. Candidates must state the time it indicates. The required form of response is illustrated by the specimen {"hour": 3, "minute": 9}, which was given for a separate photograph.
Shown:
{"hour": 4, "minute": 19}
